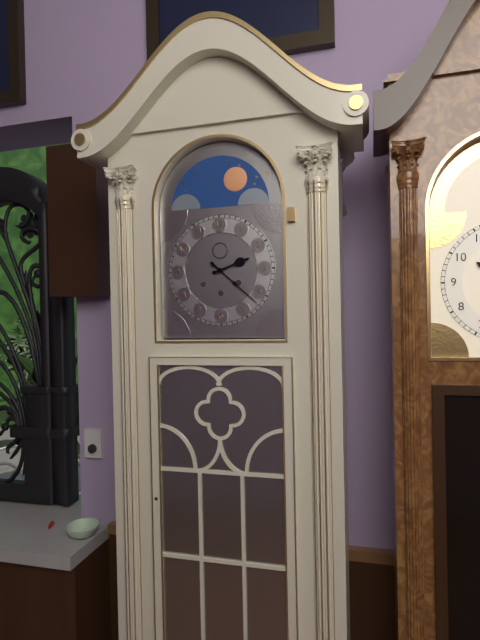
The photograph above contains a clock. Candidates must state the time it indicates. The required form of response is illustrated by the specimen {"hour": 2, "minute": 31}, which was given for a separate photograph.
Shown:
{"hour": 2, "minute": 22}
